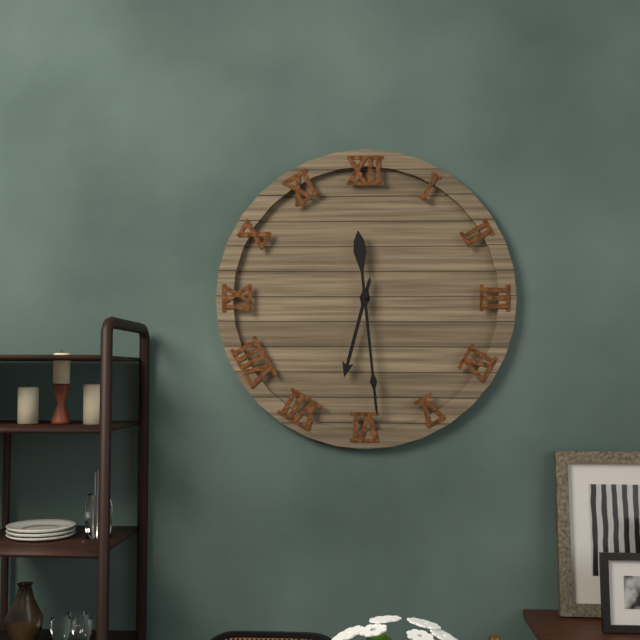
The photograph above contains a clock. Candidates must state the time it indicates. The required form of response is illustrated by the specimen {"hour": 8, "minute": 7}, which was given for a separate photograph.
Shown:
{"hour": 6, "minute": 29}
